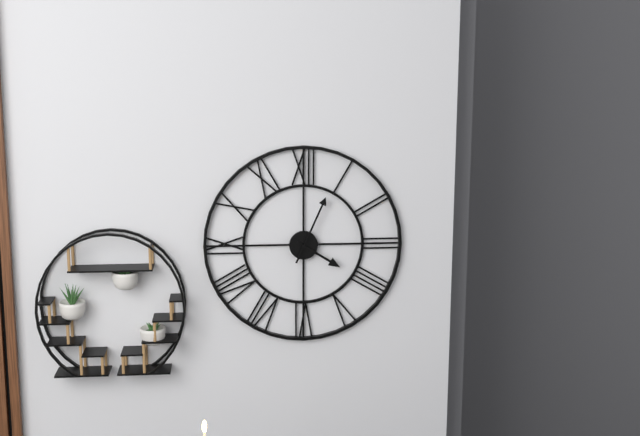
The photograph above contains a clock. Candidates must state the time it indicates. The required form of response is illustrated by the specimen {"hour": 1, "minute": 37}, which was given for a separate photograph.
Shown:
{"hour": 4, "minute": 4}
